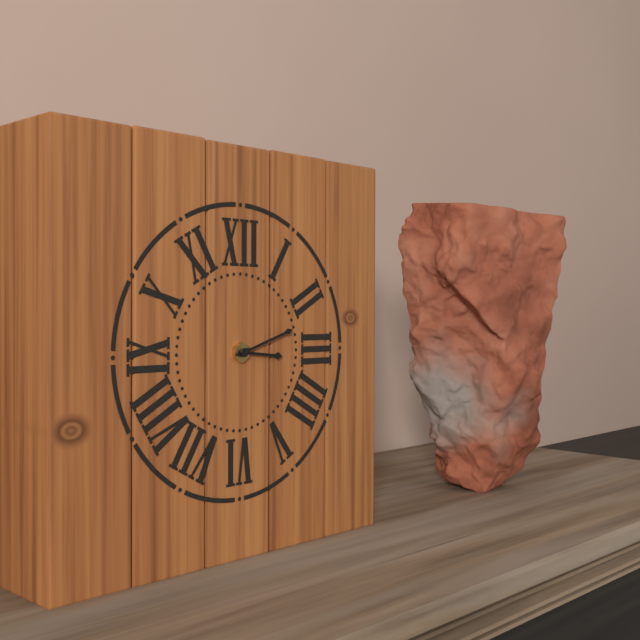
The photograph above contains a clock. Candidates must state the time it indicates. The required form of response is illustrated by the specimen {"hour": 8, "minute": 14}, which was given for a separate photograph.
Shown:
{"hour": 3, "minute": 12}
